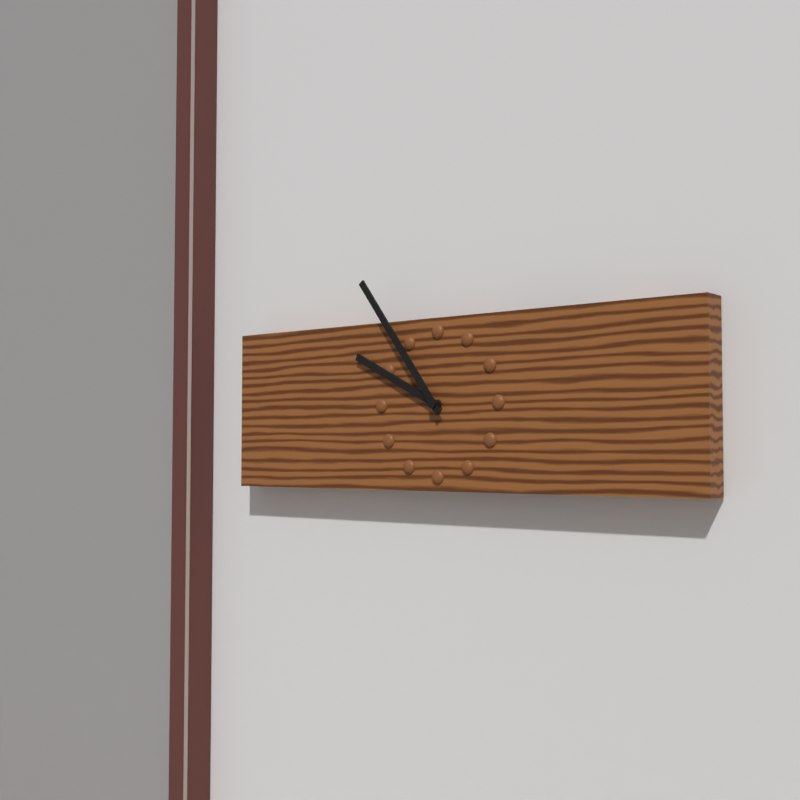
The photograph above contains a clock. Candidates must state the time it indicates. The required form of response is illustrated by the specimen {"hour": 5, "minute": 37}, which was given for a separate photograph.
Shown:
{"hour": 9, "minute": 54}
